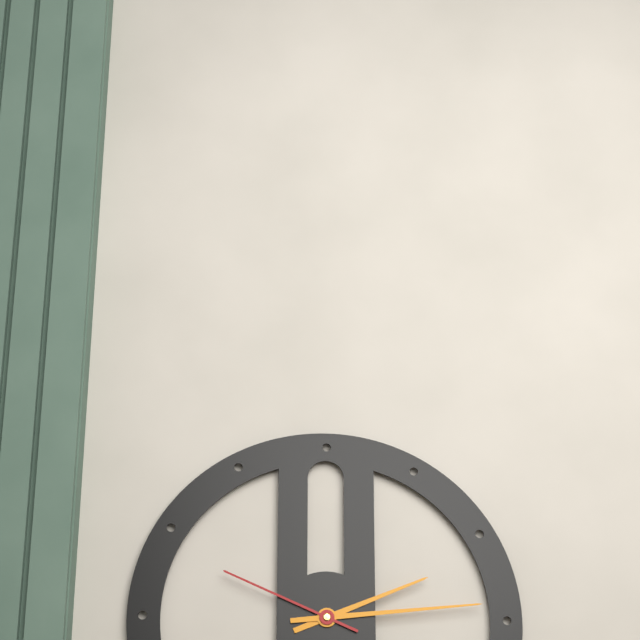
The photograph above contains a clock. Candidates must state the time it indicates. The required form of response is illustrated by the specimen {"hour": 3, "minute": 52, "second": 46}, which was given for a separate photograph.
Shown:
{"hour": 2, "minute": 14, "second": 49}
